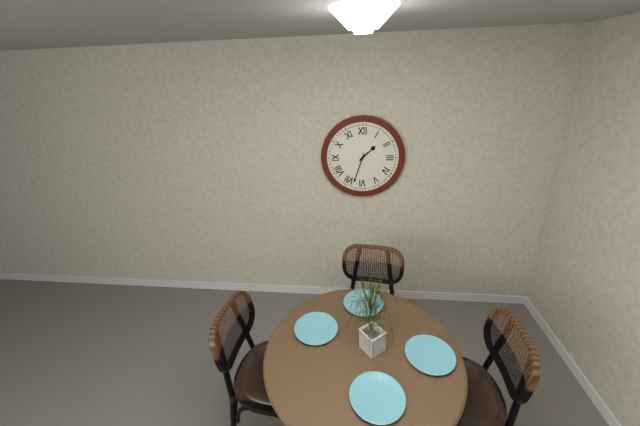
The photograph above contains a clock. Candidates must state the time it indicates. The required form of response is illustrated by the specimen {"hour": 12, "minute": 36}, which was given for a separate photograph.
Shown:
{"hour": 1, "minute": 33}
